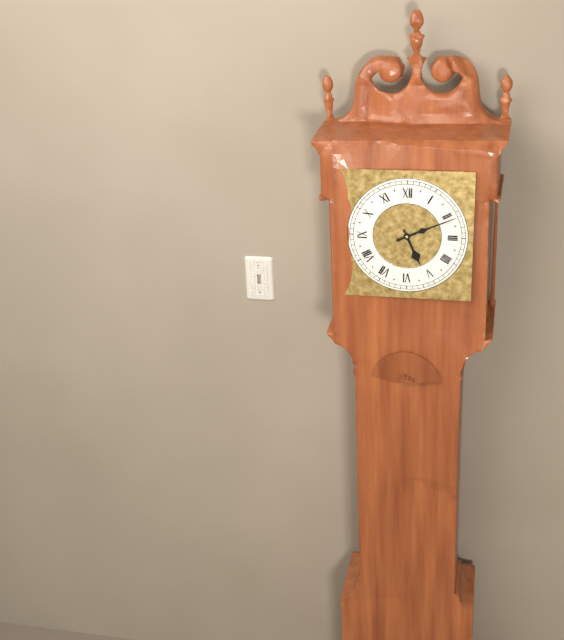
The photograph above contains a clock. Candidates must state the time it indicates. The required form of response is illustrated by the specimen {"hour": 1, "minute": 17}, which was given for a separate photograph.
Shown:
{"hour": 5, "minute": 11}
